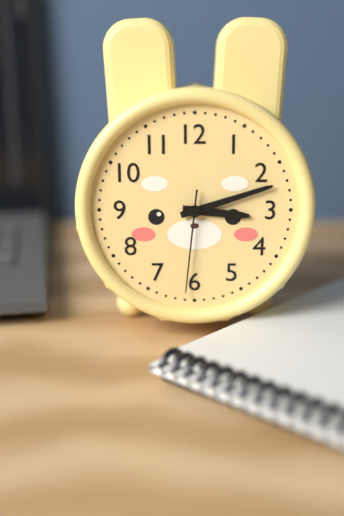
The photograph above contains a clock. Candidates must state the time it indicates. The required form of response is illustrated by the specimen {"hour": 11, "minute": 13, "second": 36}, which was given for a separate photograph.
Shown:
{"hour": 3, "minute": 12, "second": 31}
